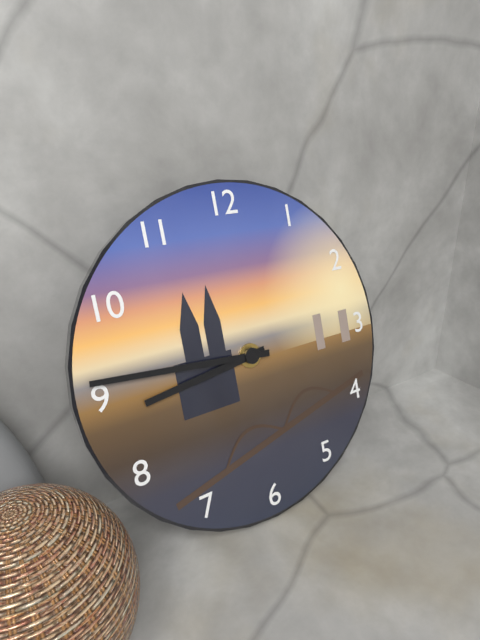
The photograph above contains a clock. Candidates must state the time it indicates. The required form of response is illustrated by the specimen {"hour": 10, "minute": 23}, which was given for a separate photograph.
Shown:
{"hour": 8, "minute": 46}
